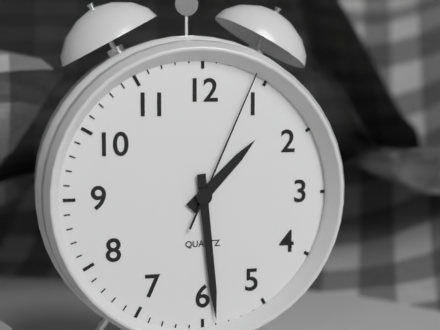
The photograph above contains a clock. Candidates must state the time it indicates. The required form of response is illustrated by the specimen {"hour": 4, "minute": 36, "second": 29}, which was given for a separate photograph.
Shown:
{"hour": 1, "minute": 29, "second": 4}
